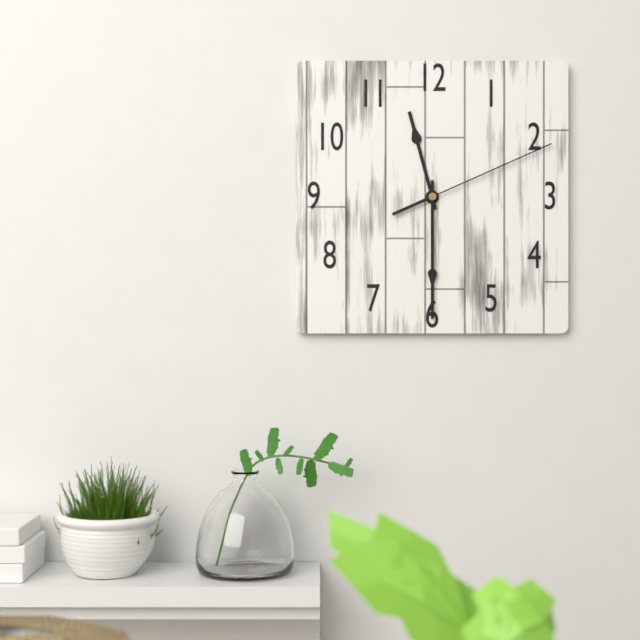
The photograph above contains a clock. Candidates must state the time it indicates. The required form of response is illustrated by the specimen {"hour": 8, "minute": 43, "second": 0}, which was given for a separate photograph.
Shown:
{"hour": 11, "minute": 30, "second": 11}
